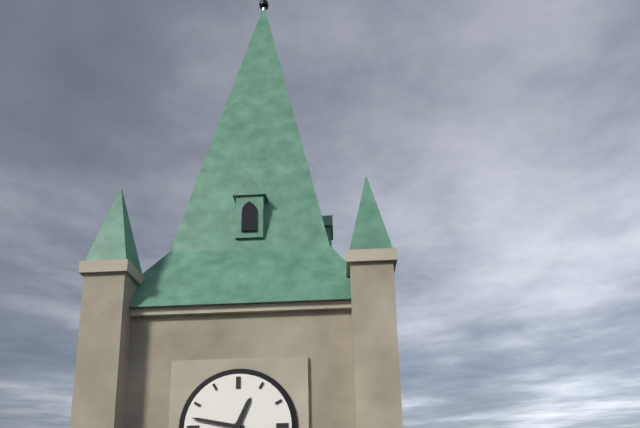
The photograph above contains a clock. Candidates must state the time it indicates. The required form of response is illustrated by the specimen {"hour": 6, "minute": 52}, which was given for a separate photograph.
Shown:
{"hour": 12, "minute": 47}
